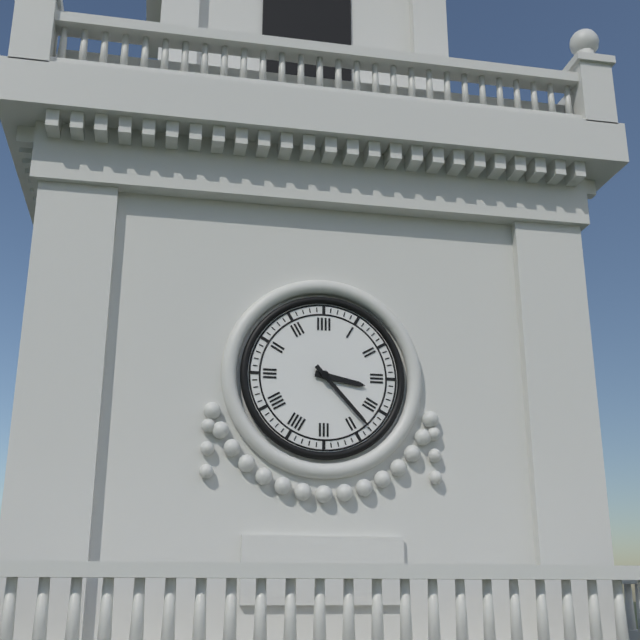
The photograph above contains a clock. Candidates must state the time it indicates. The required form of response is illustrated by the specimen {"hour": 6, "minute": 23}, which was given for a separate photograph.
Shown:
{"hour": 3, "minute": 23}
